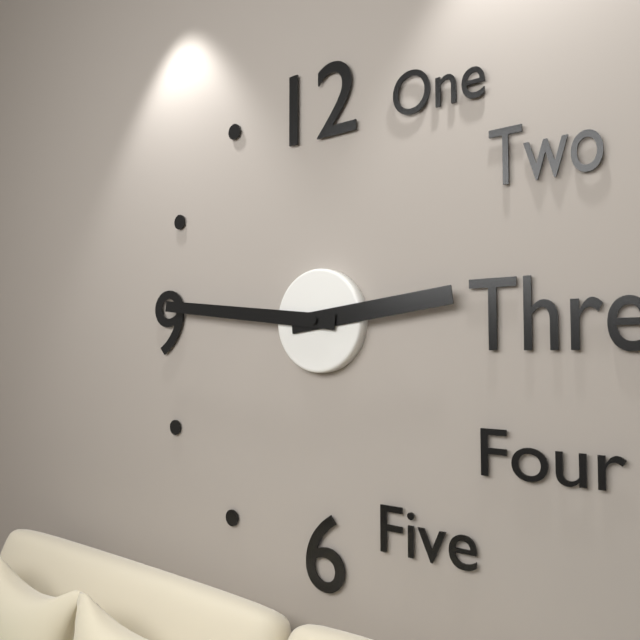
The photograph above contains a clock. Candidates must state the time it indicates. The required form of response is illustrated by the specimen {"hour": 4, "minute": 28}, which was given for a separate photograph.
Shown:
{"hour": 2, "minute": 46}
